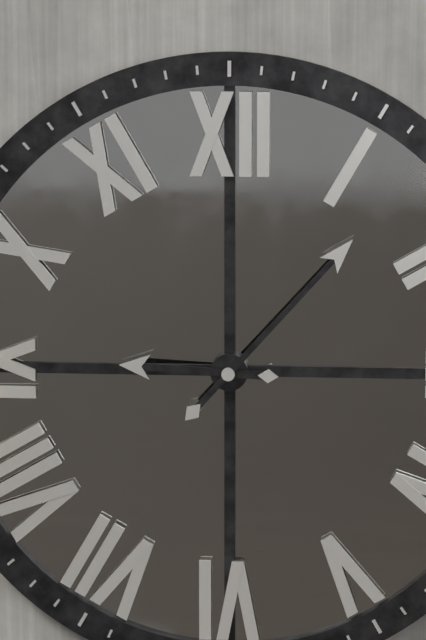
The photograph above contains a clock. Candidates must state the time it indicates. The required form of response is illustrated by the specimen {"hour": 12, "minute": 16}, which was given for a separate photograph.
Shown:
{"hour": 9, "minute": 7}
